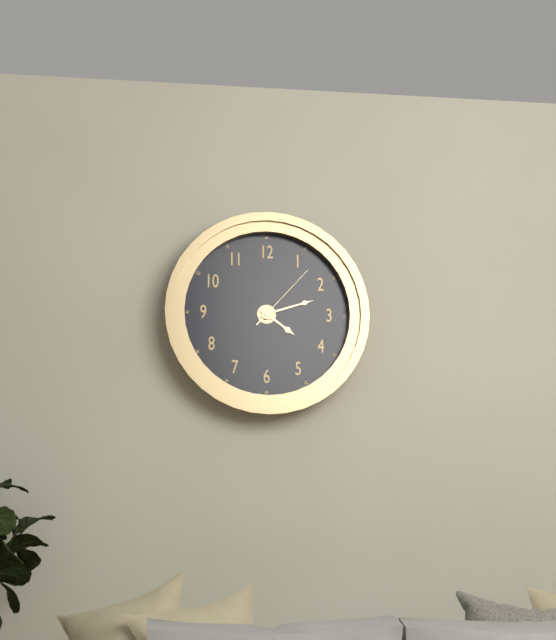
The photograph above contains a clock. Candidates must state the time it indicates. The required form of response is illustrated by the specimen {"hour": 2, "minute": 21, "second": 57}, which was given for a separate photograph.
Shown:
{"hour": 4, "minute": 12, "second": 7}
